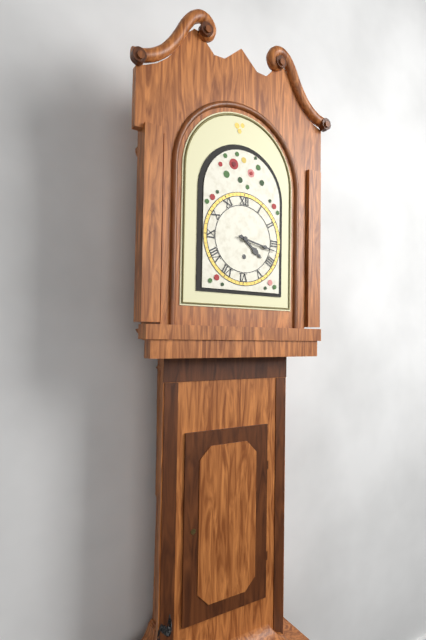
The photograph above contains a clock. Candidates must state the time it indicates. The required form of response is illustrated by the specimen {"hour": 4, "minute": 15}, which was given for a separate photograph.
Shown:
{"hour": 4, "minute": 17}
